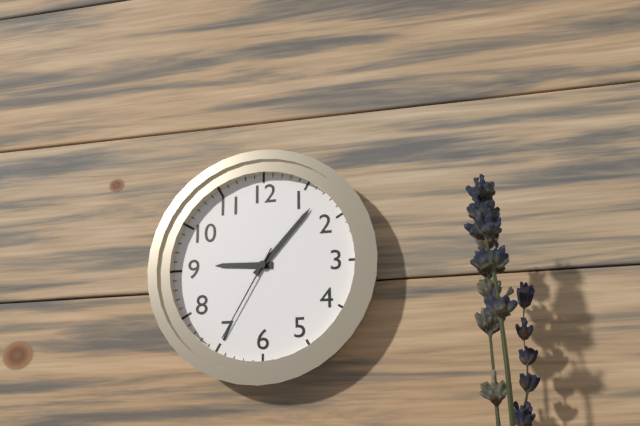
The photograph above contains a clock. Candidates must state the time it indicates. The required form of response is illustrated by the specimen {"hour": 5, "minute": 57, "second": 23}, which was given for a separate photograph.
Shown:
{"hour": 9, "minute": 7, "second": 35}
